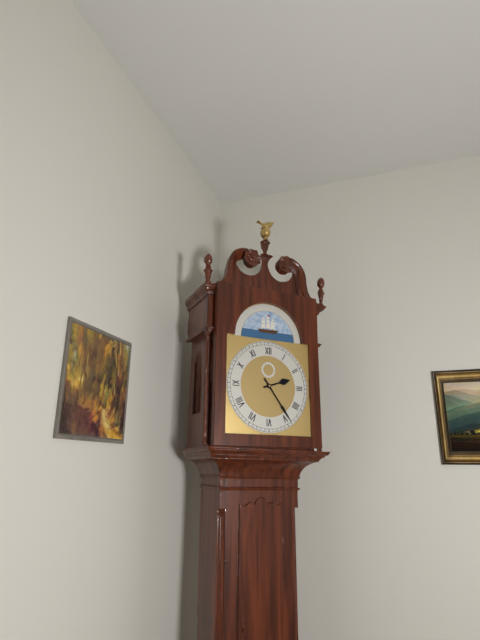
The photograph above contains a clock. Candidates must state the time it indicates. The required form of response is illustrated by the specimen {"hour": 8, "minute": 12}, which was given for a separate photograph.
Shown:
{"hour": 2, "minute": 24}
